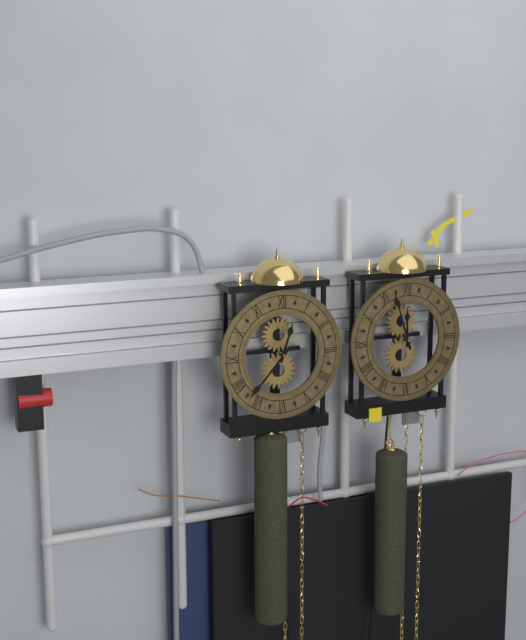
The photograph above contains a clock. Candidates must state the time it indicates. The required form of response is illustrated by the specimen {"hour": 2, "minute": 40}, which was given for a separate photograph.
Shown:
{"hour": 12, "minute": 37}
